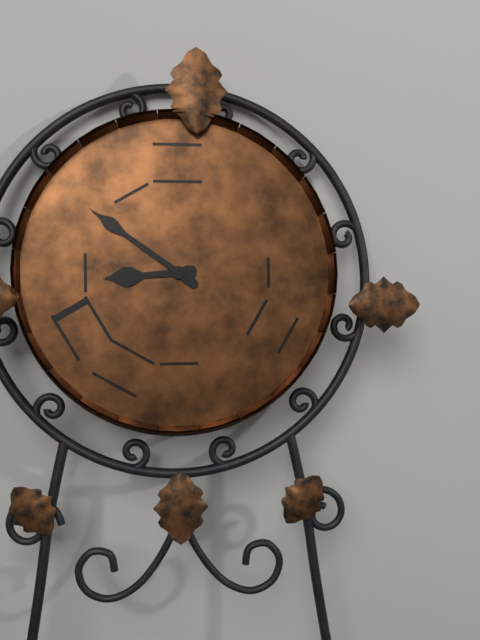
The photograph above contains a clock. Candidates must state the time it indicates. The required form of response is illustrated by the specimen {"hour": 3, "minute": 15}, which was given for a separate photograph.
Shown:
{"hour": 8, "minute": 51}
